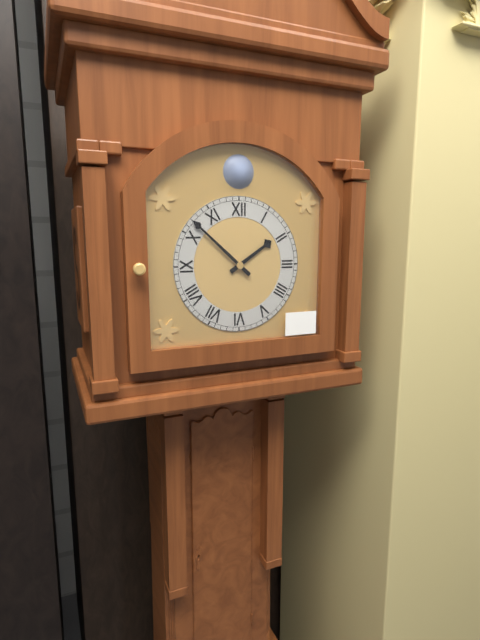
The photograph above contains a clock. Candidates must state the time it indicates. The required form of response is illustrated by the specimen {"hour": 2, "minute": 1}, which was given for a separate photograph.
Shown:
{"hour": 1, "minute": 52}
